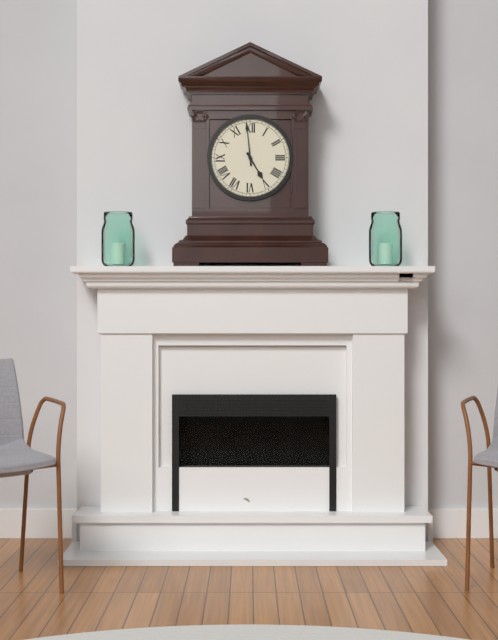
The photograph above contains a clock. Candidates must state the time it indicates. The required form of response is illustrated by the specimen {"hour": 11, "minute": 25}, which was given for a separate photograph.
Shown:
{"hour": 4, "minute": 59}
